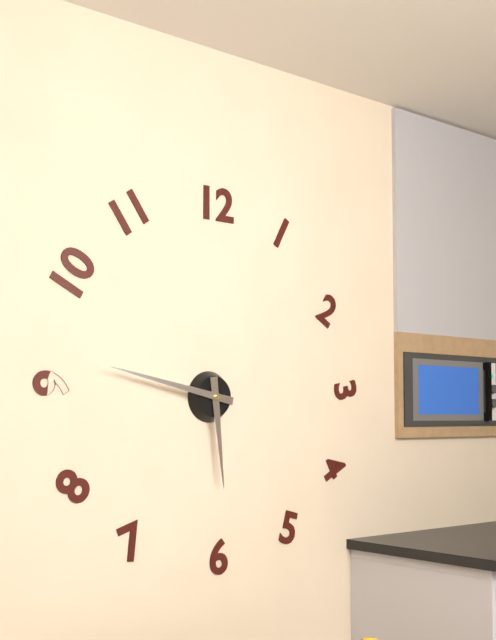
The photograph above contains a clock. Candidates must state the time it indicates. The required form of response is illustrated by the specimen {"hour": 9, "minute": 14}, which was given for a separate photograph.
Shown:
{"hour": 5, "minute": 47}
